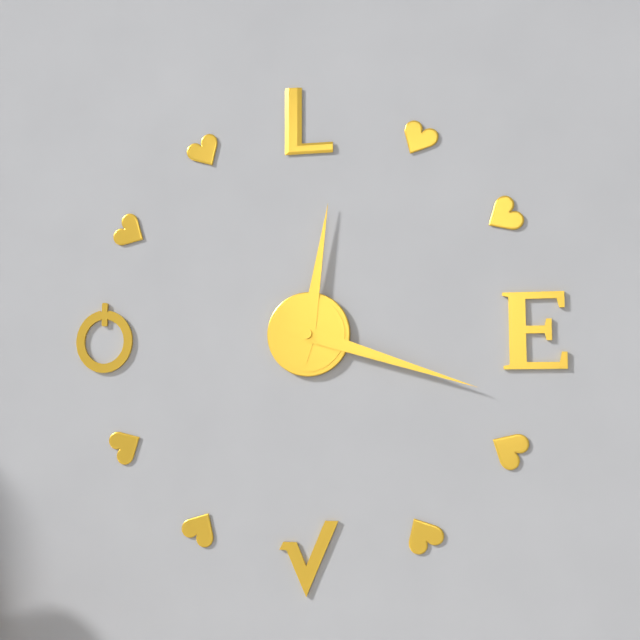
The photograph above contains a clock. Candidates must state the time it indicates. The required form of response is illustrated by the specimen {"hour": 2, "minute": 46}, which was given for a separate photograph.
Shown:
{"hour": 12, "minute": 18}
